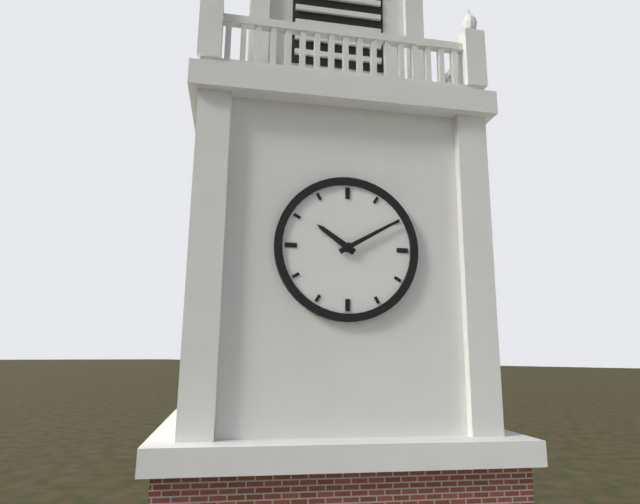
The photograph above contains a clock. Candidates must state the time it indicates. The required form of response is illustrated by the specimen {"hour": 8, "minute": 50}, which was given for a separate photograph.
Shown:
{"hour": 10, "minute": 10}
